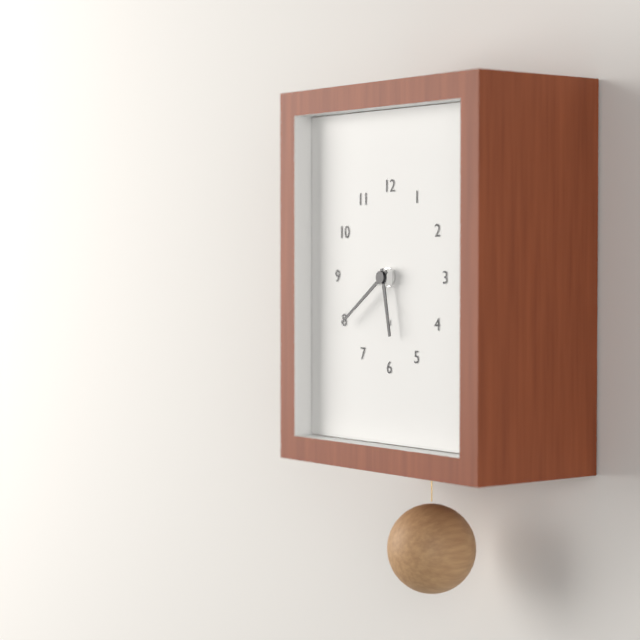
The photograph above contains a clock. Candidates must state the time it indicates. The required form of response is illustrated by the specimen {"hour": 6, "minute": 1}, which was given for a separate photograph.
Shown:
{"hour": 5, "minute": 39}
